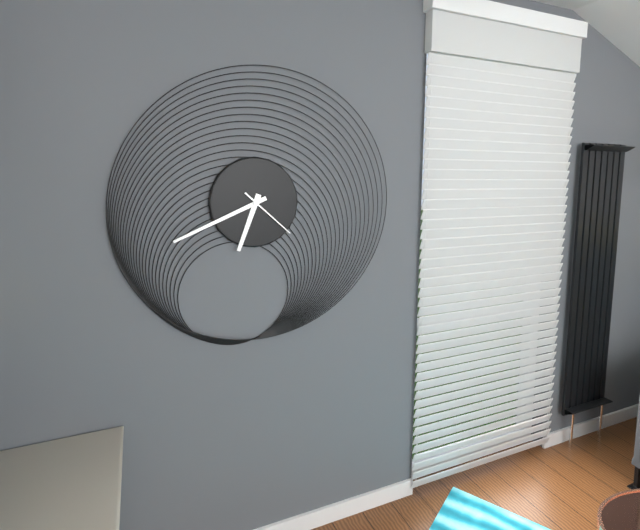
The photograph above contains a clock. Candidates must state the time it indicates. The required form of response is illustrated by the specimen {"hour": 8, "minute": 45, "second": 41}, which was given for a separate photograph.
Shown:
{"hour": 6, "minute": 41, "second": 22}
